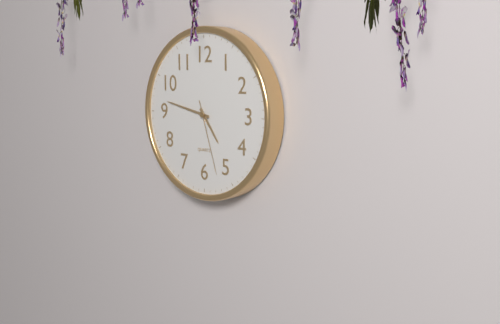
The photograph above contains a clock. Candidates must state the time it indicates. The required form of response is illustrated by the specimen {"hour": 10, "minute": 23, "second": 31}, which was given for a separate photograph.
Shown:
{"hour": 4, "minute": 47, "second": 27}
